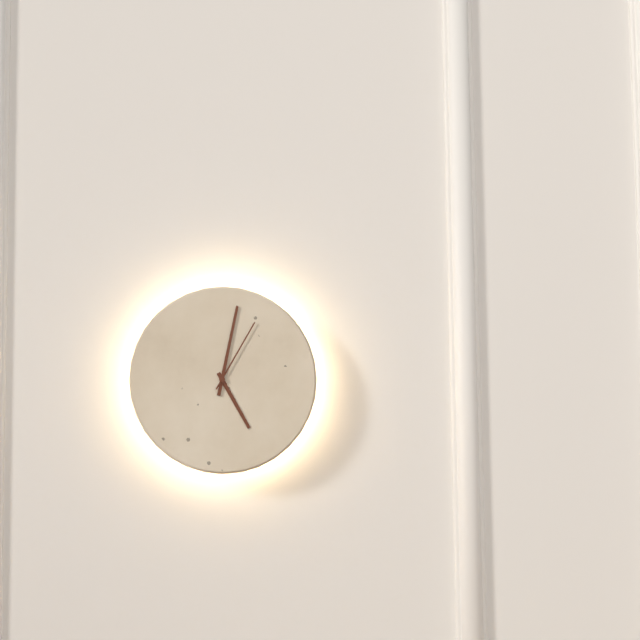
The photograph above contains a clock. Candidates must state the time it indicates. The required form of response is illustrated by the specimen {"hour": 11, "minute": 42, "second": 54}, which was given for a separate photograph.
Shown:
{"hour": 5, "minute": 2, "second": 5}
